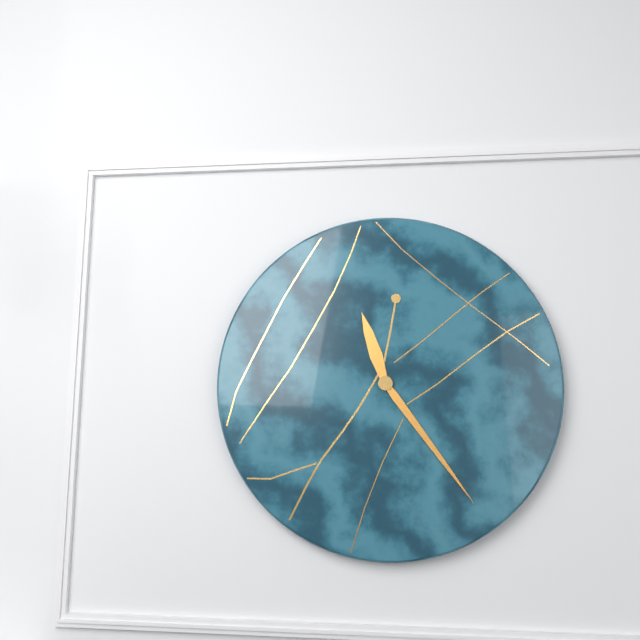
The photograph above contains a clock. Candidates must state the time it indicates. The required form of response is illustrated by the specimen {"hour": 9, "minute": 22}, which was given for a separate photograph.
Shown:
{"hour": 11, "minute": 24}
